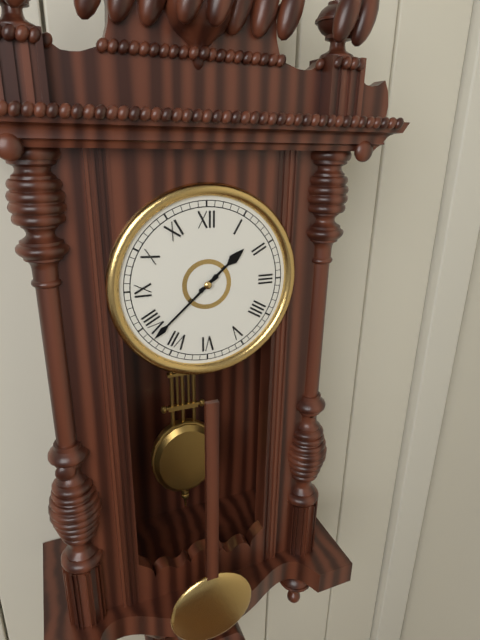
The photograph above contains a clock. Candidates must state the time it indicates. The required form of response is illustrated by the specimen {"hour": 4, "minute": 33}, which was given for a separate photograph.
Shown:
{"hour": 1, "minute": 38}
